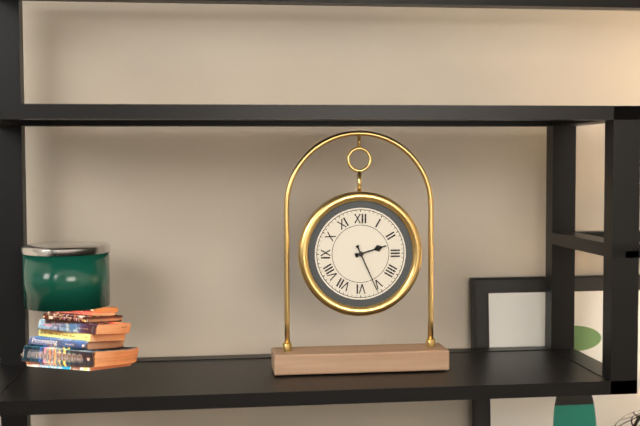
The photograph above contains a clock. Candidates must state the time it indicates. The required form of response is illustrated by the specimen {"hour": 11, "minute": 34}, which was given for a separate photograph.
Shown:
{"hour": 2, "minute": 26}
